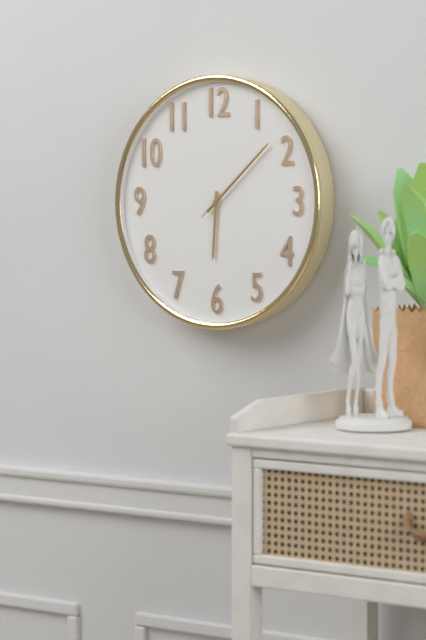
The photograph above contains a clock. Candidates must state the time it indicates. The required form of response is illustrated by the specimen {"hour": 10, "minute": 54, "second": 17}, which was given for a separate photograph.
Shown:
{"hour": 6, "minute": 8, "second": 8}
